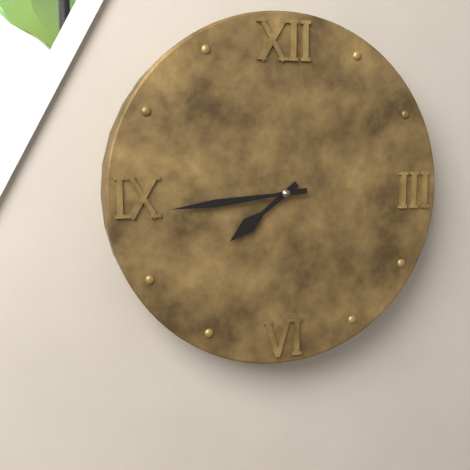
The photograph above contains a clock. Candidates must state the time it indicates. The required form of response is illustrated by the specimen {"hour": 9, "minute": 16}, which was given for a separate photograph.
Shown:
{"hour": 7, "minute": 44}
